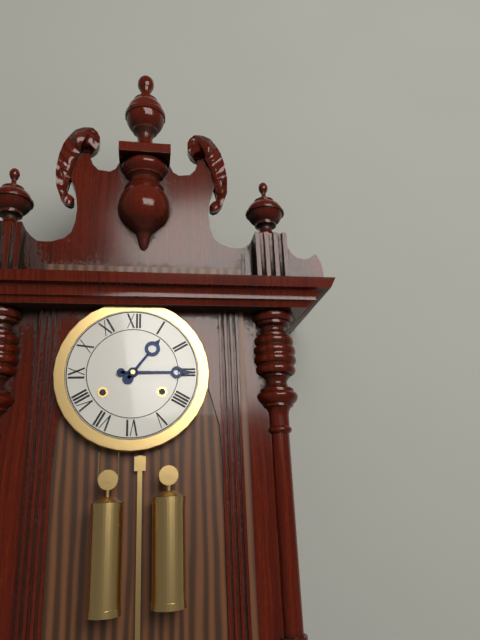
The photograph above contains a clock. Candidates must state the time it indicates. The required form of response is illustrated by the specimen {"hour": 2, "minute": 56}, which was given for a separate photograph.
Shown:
{"hour": 1, "minute": 15}
